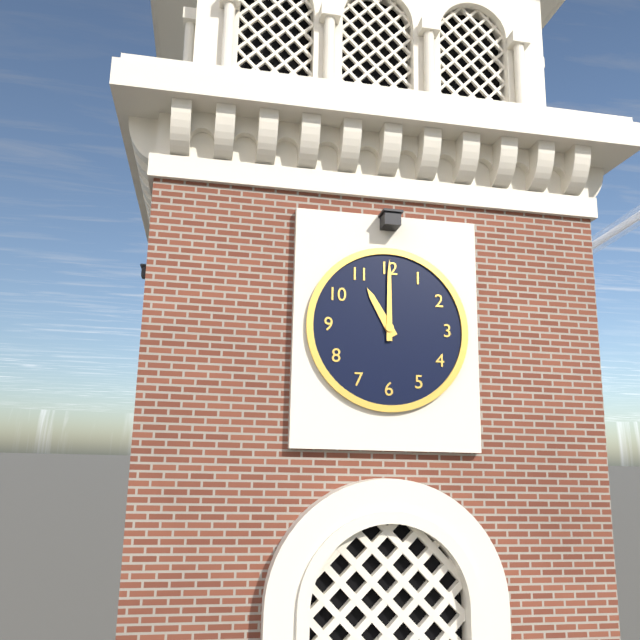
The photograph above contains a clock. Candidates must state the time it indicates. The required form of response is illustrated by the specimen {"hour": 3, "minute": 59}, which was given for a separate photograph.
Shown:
{"hour": 11, "minute": 0}
